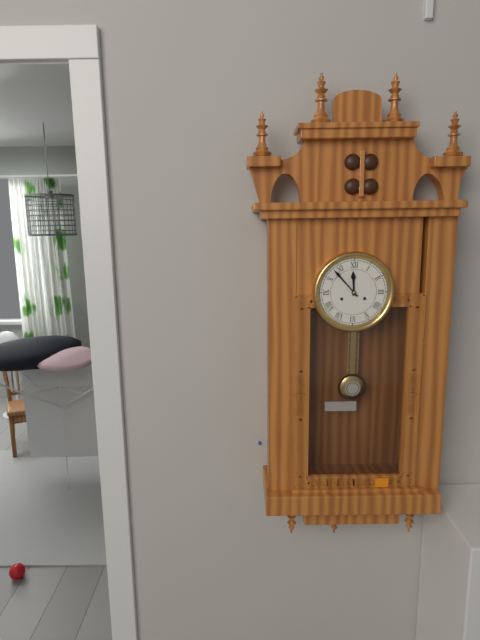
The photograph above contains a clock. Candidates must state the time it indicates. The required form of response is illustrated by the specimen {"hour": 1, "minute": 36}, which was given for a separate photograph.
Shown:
{"hour": 11, "minute": 53}
